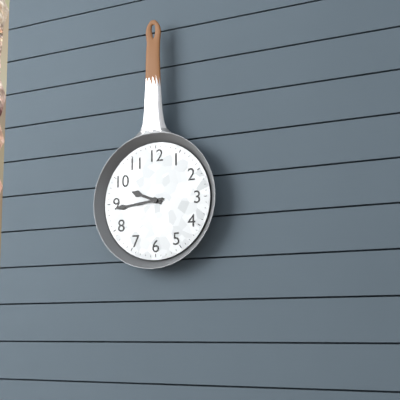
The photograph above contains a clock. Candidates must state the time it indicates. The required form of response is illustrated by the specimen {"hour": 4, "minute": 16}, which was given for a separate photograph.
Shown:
{"hour": 9, "minute": 44}
